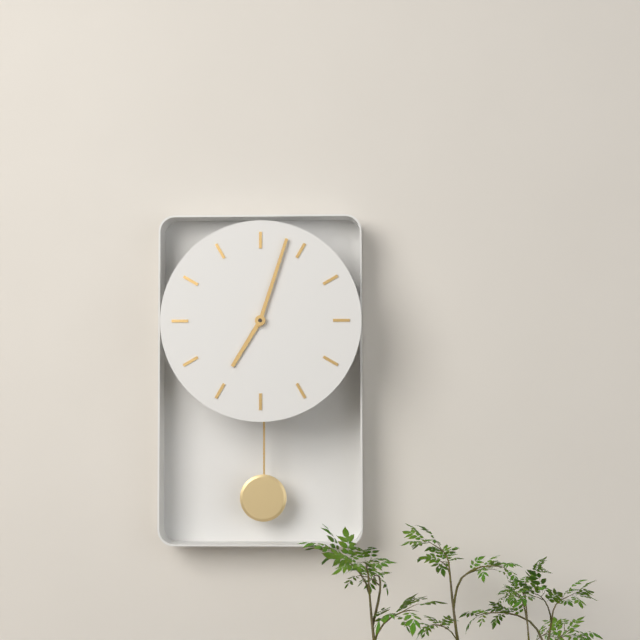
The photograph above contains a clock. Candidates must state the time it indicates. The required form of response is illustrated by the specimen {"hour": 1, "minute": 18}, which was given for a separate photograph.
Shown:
{"hour": 7, "minute": 3}
